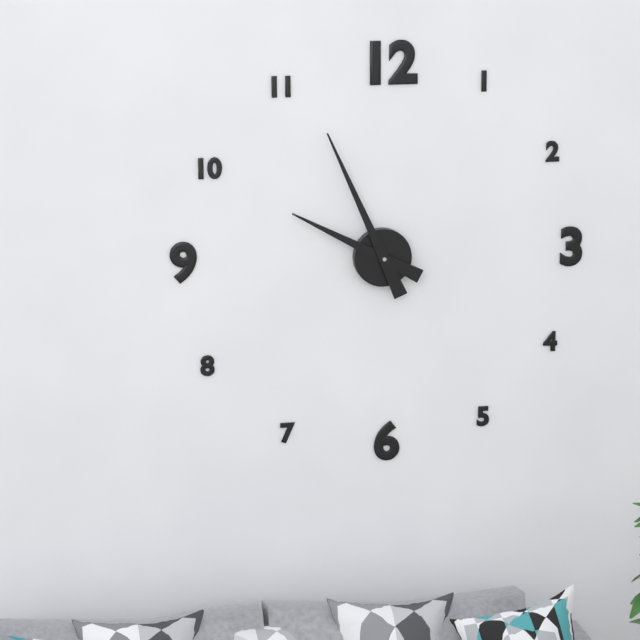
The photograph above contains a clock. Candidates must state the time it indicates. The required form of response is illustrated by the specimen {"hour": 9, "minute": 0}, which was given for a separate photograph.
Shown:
{"hour": 9, "minute": 56}
